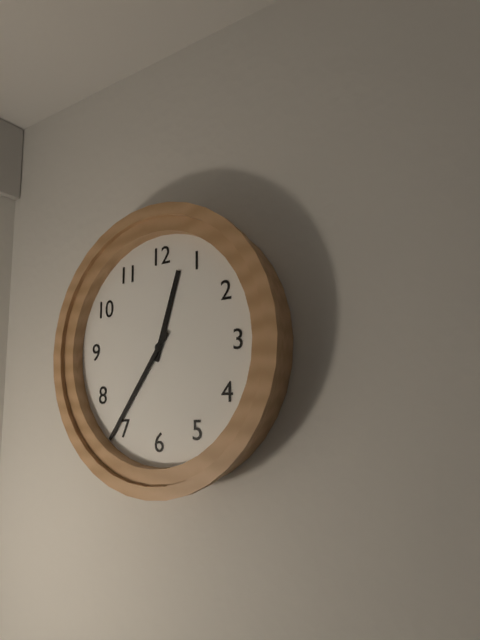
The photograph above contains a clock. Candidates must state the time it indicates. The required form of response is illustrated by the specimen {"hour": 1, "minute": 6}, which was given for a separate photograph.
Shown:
{"hour": 12, "minute": 36}
